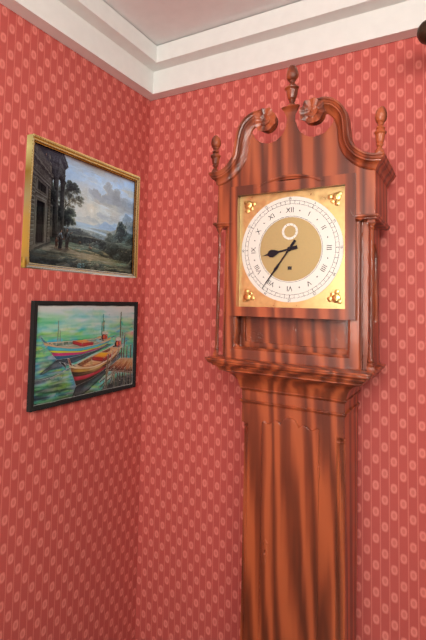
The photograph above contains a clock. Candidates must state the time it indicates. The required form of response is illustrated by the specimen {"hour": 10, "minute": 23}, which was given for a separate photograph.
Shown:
{"hour": 8, "minute": 36}
